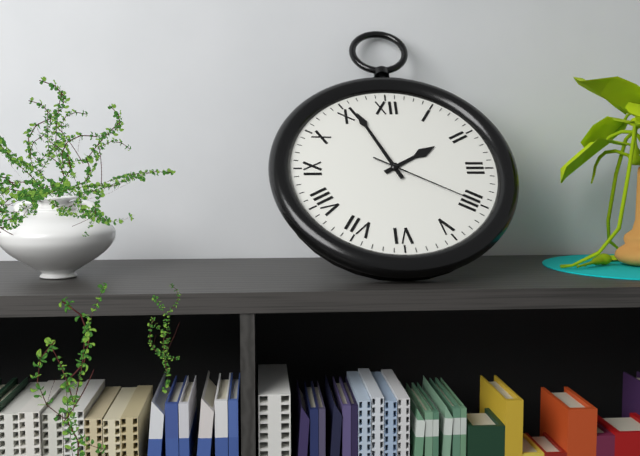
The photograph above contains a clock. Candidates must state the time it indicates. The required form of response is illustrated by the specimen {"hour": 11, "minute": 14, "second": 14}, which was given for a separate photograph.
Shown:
{"hour": 1, "minute": 56, "second": 20}
